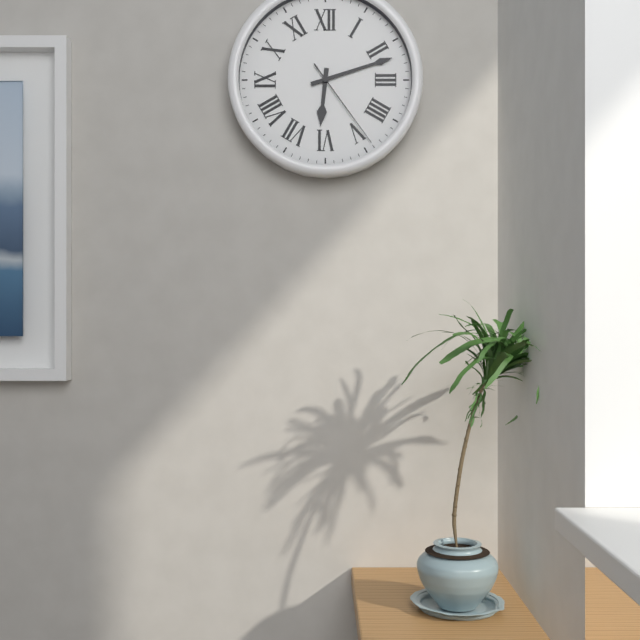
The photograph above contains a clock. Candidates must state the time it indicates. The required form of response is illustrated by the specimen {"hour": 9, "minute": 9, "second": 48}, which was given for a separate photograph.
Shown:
{"hour": 6, "minute": 12, "second": 24}
